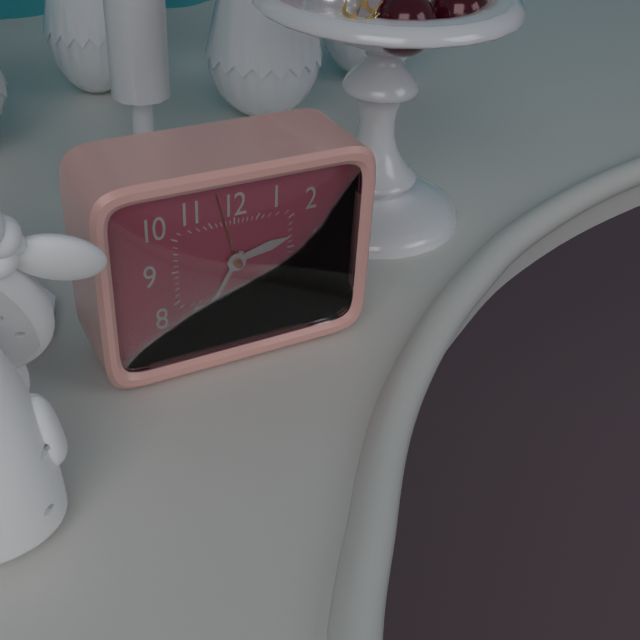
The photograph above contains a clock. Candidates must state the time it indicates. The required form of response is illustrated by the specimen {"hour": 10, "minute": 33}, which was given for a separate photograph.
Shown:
{"hour": 2, "minute": 35}
